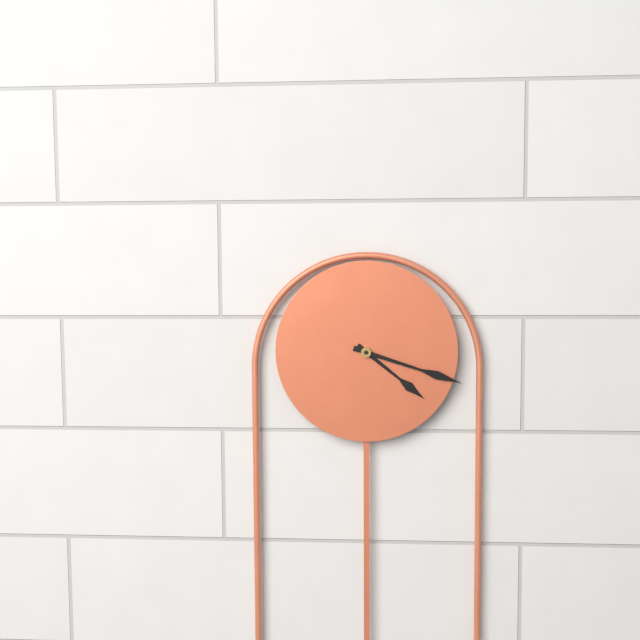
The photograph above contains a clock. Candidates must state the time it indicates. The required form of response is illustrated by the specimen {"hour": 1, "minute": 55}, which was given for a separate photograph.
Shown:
{"hour": 4, "minute": 18}
